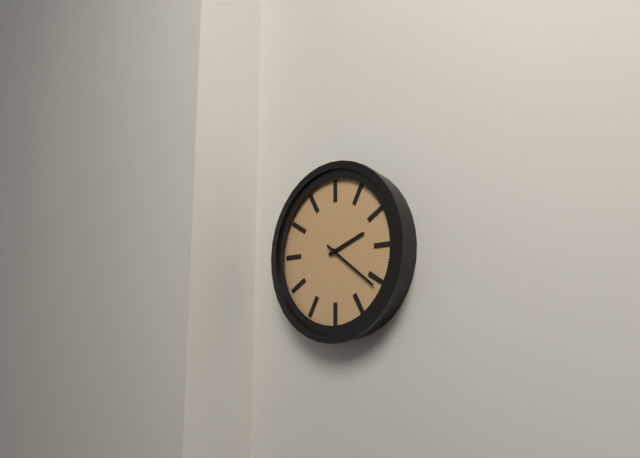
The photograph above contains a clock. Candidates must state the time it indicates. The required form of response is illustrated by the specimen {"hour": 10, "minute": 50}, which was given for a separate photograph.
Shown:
{"hour": 2, "minute": 21}
